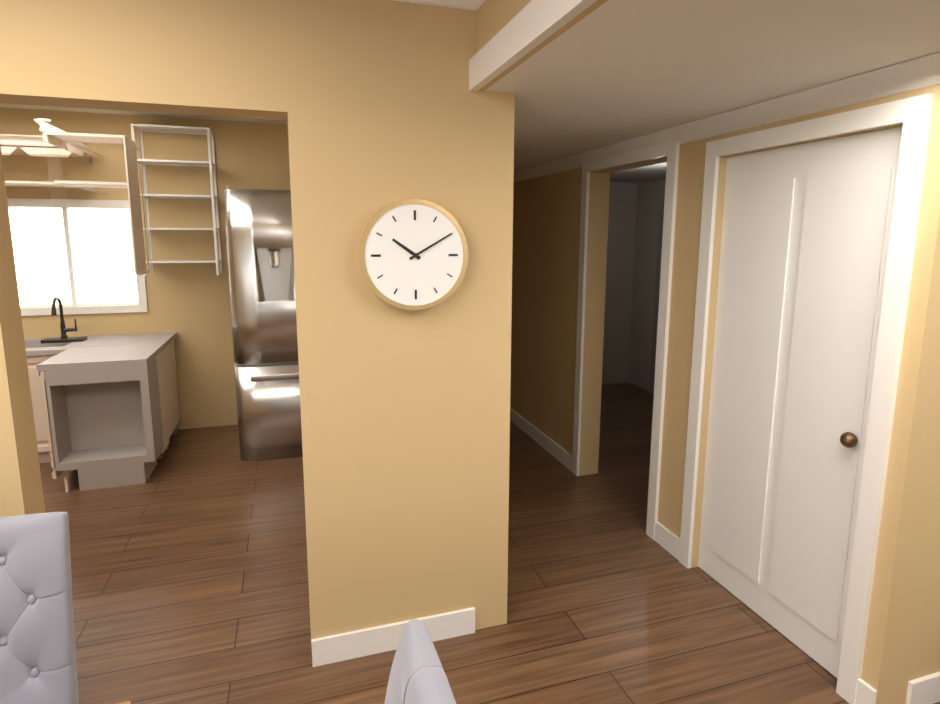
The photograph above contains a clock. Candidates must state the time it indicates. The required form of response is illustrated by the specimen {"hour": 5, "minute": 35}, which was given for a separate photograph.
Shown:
{"hour": 10, "minute": 10}
